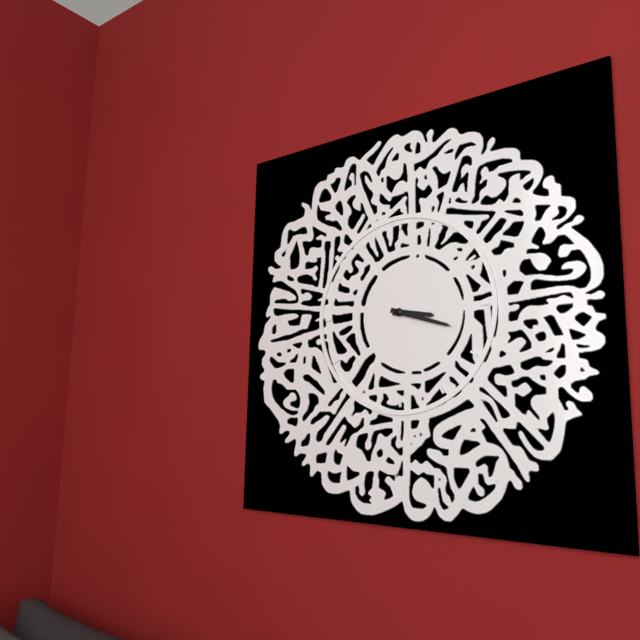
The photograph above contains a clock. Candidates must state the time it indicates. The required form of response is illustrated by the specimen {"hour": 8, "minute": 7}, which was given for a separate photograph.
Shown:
{"hour": 3, "minute": 18}
